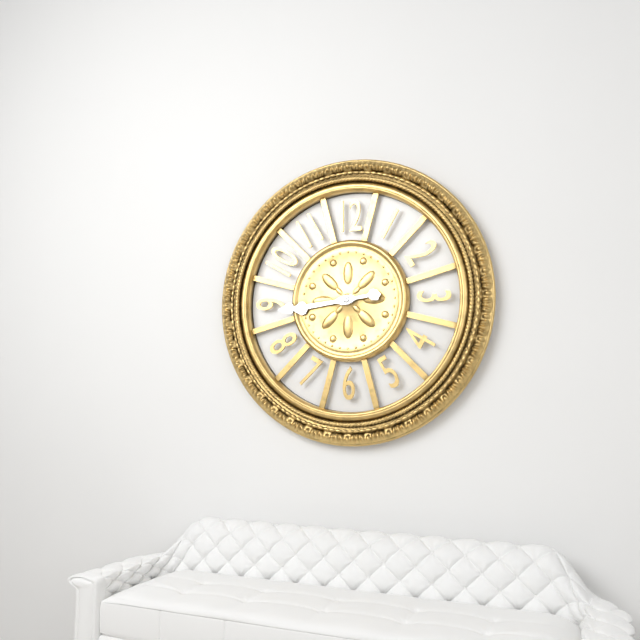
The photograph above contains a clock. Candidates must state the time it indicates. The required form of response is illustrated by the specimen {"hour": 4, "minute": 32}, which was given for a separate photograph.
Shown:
{"hour": 8, "minute": 44}
